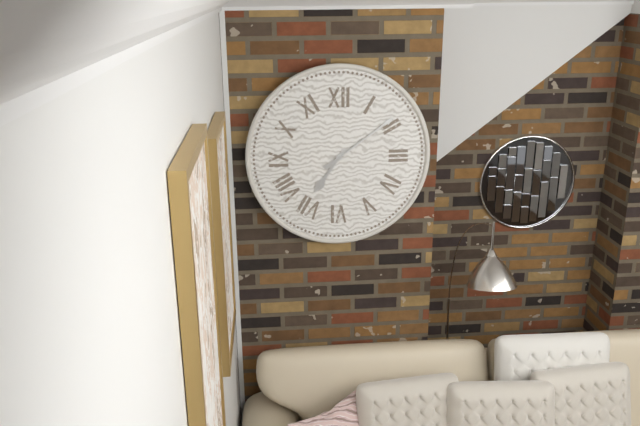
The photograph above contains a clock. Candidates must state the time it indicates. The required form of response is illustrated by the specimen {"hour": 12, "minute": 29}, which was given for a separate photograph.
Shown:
{"hour": 7, "minute": 9}
